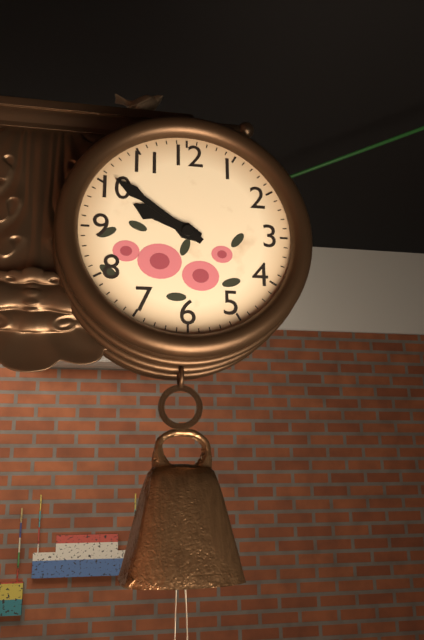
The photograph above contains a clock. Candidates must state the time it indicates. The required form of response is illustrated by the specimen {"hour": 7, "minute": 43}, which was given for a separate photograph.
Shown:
{"hour": 9, "minute": 51}
